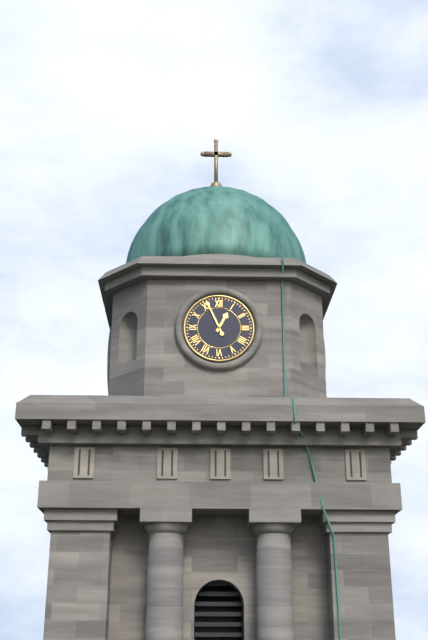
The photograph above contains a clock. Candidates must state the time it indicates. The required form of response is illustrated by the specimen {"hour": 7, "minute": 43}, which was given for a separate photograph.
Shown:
{"hour": 12, "minute": 56}
